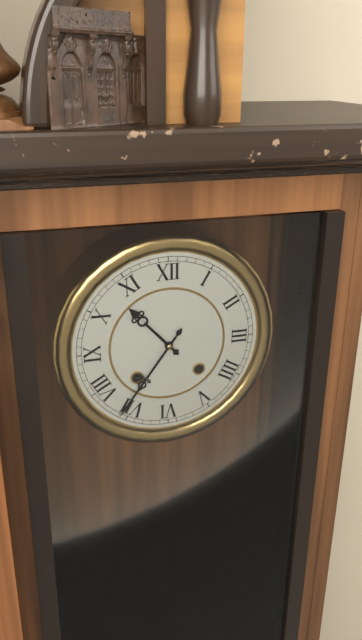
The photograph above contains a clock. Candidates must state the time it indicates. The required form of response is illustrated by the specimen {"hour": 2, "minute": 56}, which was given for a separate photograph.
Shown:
{"hour": 10, "minute": 36}
